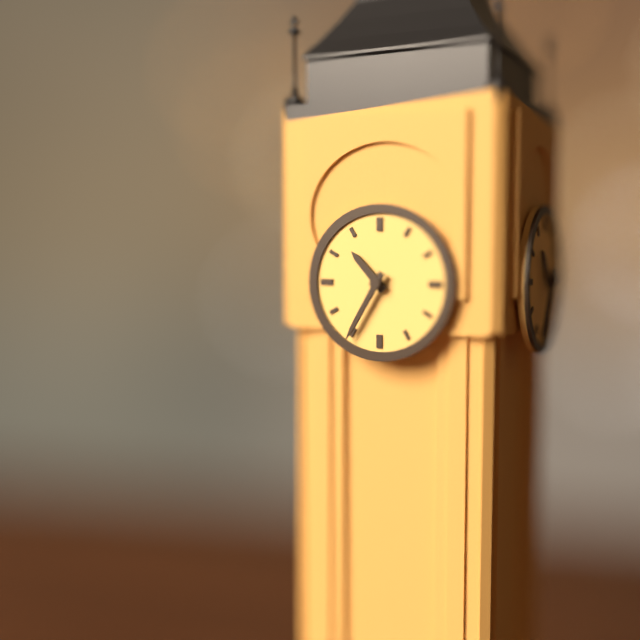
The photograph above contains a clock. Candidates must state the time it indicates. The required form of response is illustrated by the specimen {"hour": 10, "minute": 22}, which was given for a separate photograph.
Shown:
{"hour": 10, "minute": 35}
